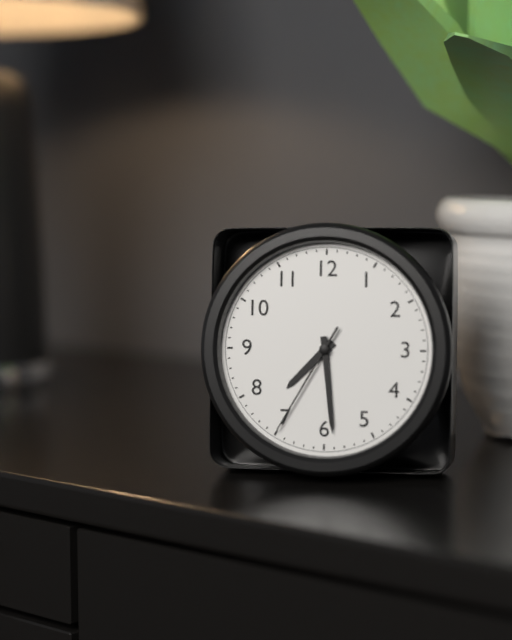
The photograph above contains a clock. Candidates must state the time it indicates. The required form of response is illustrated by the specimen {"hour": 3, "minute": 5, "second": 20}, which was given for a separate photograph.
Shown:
{"hour": 7, "minute": 29, "second": 35}
